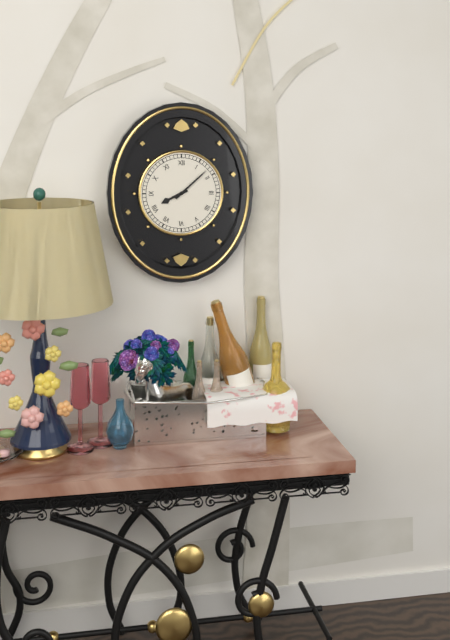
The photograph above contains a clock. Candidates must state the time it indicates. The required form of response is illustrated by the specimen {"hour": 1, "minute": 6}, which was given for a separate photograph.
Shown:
{"hour": 8, "minute": 8}
